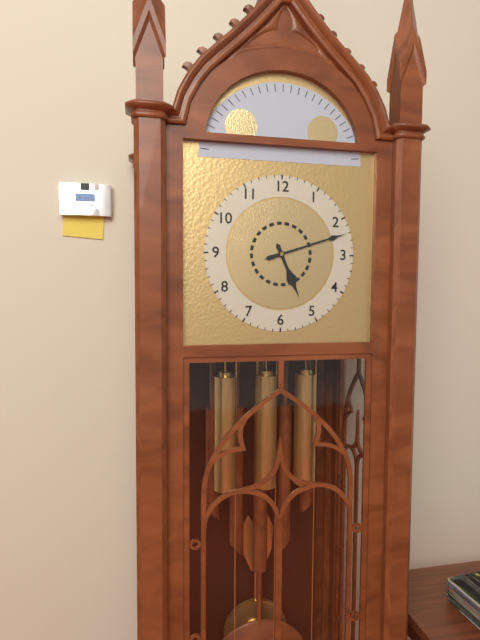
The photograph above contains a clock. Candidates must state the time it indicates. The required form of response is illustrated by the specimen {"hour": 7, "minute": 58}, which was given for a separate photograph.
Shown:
{"hour": 5, "minute": 12}
